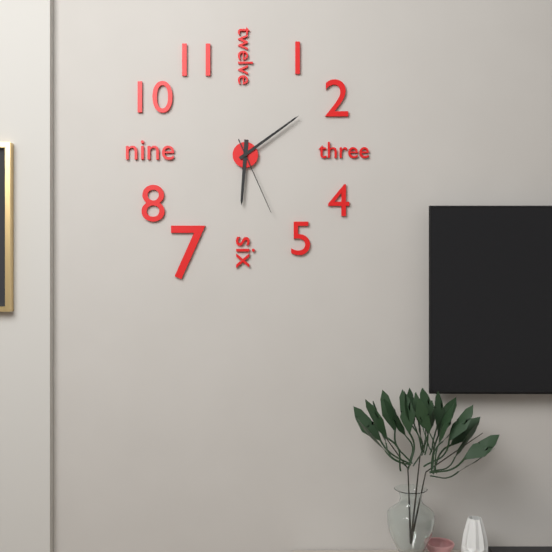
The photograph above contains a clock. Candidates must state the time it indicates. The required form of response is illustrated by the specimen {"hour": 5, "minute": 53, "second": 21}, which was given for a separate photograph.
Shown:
{"hour": 6, "minute": 9, "second": 26}
